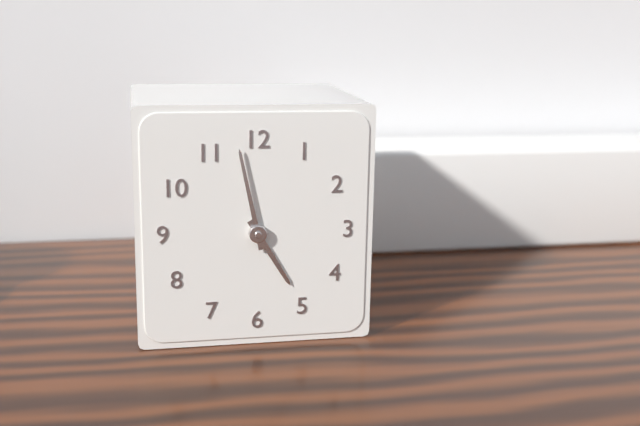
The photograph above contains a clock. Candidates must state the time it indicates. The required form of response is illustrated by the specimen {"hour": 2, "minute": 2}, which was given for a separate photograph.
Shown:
{"hour": 4, "minute": 58}
